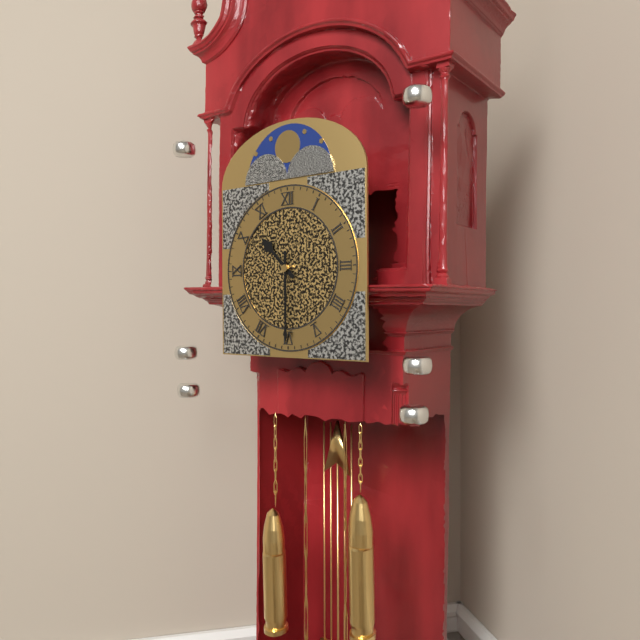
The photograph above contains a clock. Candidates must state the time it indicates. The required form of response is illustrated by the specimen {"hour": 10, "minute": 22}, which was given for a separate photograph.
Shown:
{"hour": 10, "minute": 30}
